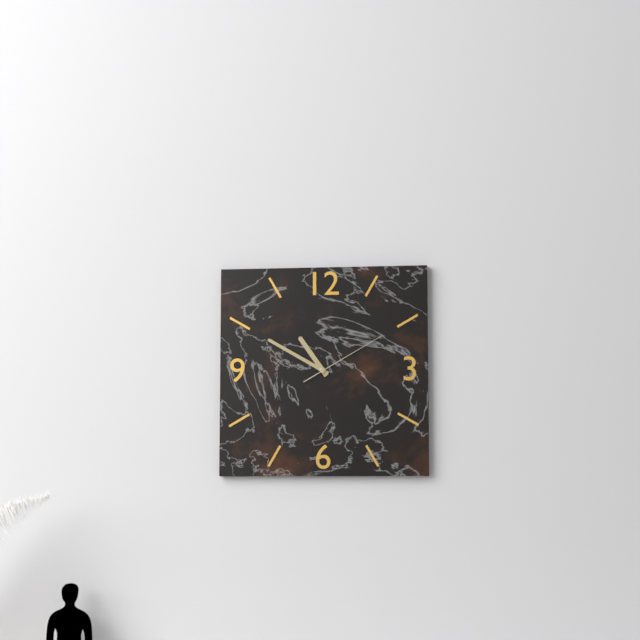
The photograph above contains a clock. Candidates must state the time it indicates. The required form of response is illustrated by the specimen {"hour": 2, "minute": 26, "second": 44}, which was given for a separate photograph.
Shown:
{"hour": 10, "minute": 50, "second": 10}
